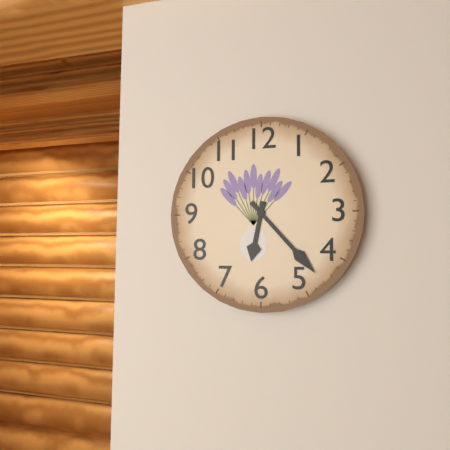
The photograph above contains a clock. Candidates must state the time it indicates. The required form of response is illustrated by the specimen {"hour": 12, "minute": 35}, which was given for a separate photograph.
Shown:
{"hour": 6, "minute": 23}
